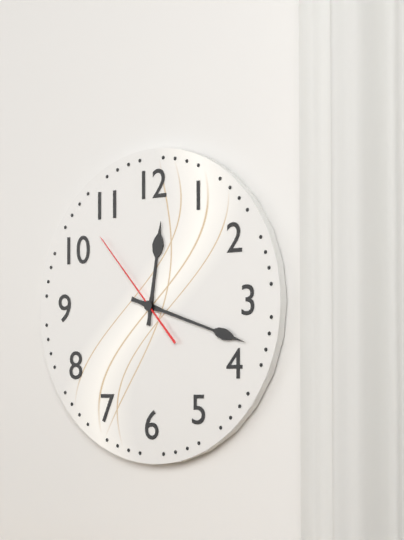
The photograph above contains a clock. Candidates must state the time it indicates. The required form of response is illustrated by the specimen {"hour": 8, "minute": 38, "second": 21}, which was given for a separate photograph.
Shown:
{"hour": 12, "minute": 18, "second": 53}
